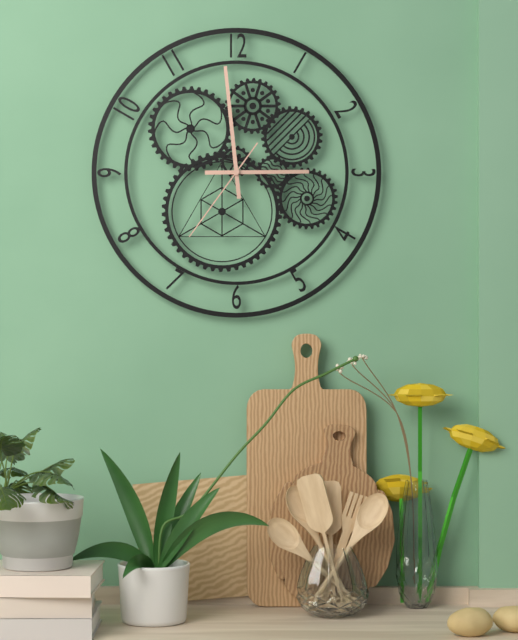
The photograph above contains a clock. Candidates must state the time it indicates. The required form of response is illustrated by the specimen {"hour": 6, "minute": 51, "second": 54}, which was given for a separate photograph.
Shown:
{"hour": 2, "minute": 59, "second": 36}
